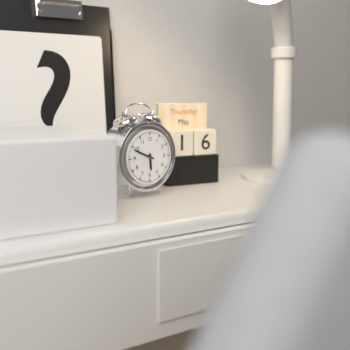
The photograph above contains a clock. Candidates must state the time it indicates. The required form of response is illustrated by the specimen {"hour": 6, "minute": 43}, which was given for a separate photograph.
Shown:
{"hour": 5, "minute": 49}
